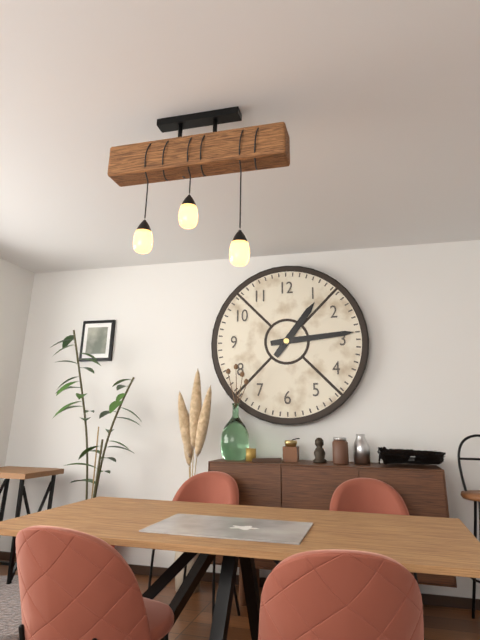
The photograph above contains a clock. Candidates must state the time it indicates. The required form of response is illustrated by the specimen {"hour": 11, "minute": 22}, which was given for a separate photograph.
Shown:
{"hour": 1, "minute": 14}
